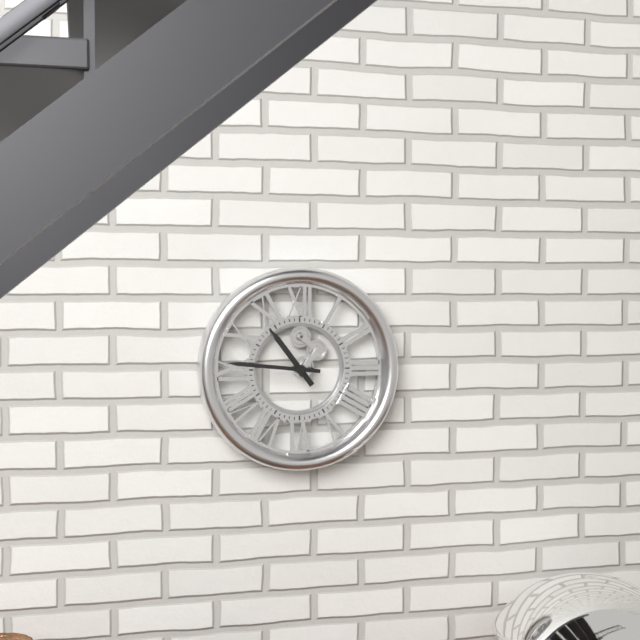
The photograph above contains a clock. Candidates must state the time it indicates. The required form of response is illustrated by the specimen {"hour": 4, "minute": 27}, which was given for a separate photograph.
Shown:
{"hour": 10, "minute": 46}
